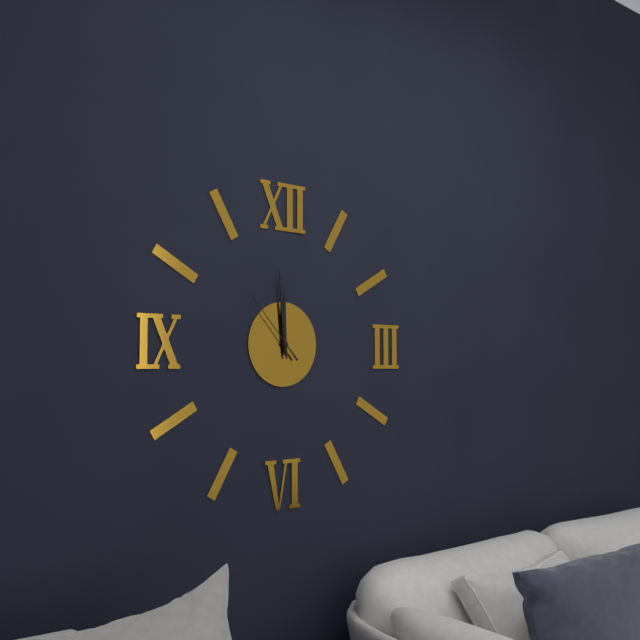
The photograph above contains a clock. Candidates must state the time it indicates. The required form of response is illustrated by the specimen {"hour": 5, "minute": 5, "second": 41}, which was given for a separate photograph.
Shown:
{"hour": 11, "minute": 59, "second": 53}
